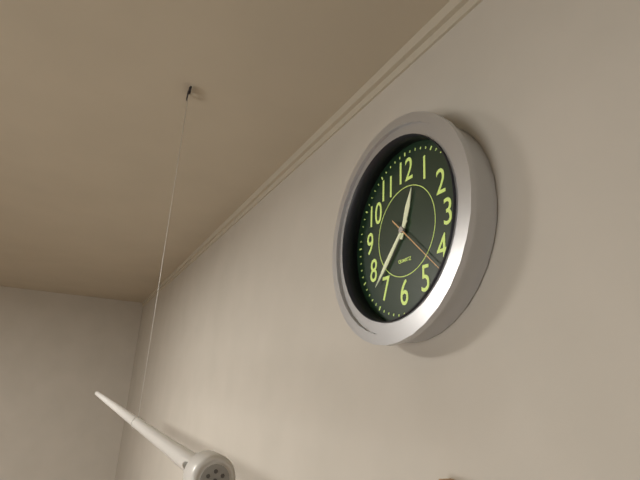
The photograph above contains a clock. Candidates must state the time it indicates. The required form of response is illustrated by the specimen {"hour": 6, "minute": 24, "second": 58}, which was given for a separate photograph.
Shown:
{"hour": 12, "minute": 37, "second": 22}
